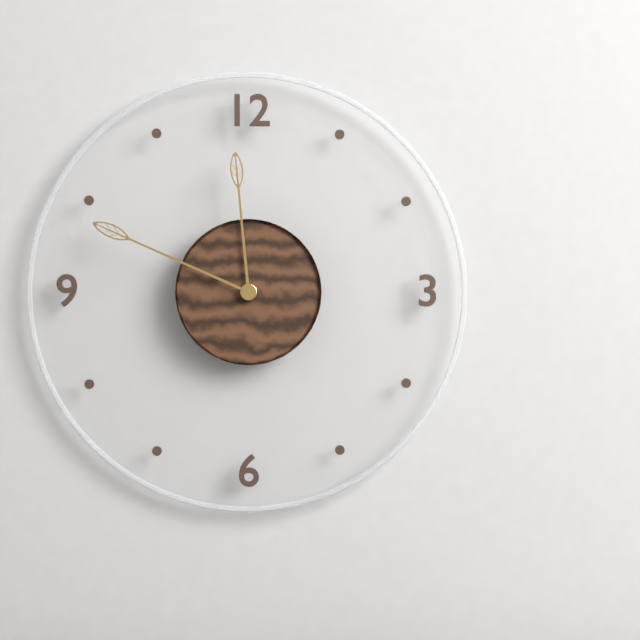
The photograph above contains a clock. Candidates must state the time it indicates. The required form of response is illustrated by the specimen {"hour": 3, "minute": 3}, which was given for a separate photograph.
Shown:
{"hour": 11, "minute": 49}
